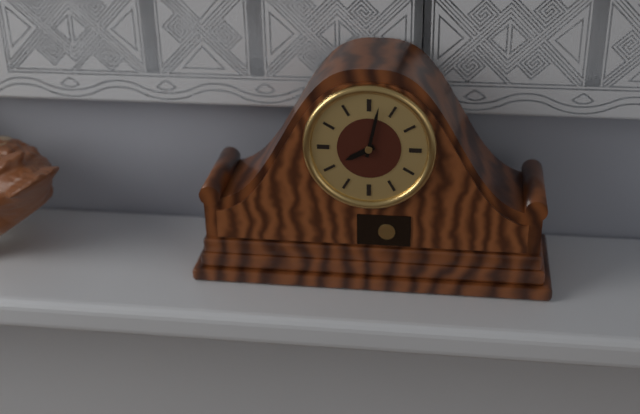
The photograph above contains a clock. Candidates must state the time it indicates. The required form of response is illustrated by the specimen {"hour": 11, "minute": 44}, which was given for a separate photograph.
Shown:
{"hour": 8, "minute": 2}
